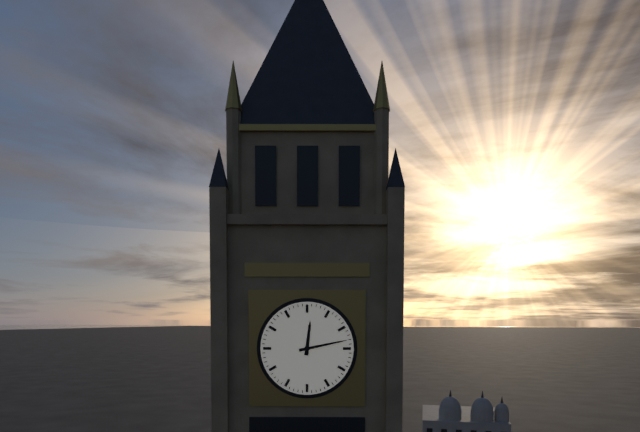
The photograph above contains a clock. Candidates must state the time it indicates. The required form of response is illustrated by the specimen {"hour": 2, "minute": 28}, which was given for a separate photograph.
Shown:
{"hour": 12, "minute": 13}
